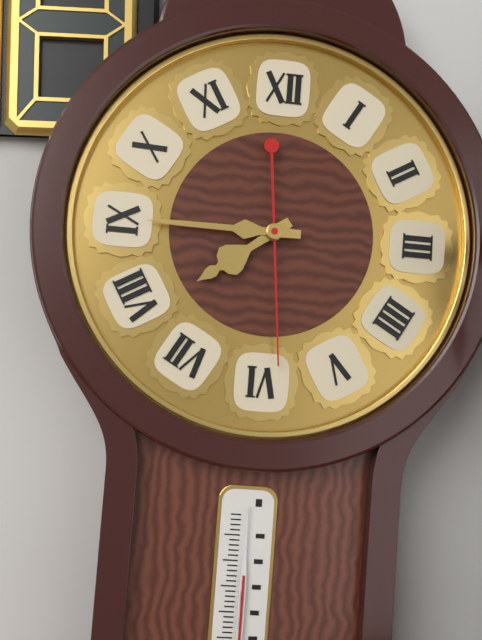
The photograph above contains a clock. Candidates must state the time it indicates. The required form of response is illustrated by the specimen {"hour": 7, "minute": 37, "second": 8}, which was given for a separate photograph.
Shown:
{"hour": 7, "minute": 45, "second": 29}
